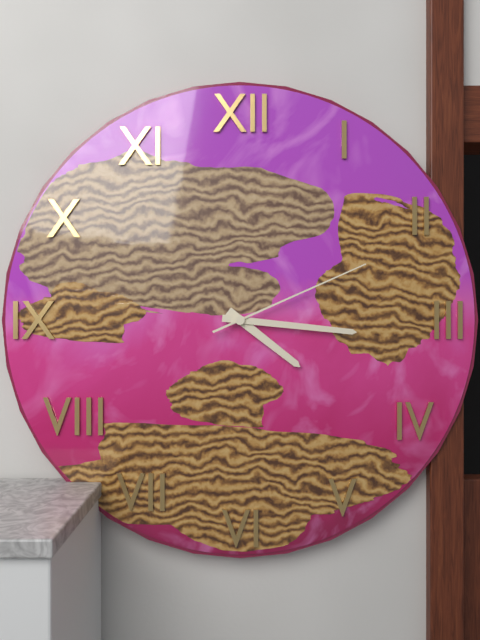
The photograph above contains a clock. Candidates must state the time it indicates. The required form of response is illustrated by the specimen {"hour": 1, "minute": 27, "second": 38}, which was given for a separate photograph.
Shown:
{"hour": 4, "minute": 16, "second": 11}
